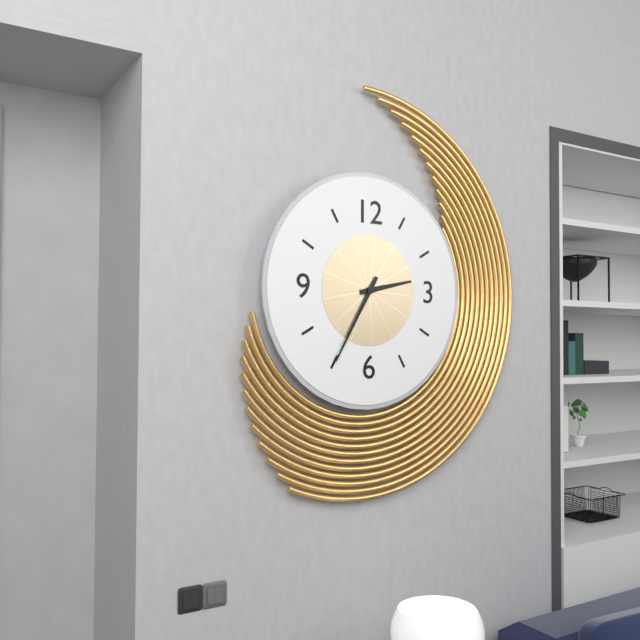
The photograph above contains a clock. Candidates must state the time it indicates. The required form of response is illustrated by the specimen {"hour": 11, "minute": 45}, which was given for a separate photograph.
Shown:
{"hour": 2, "minute": 35}
